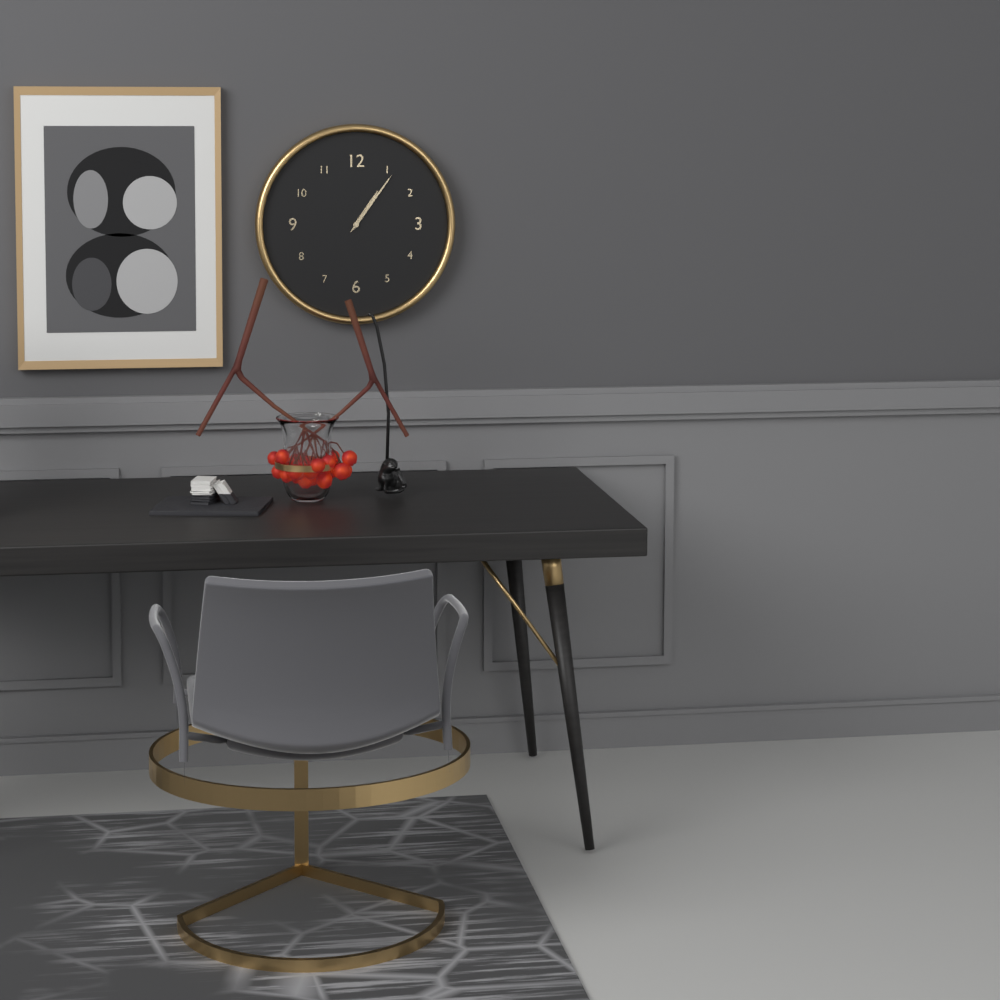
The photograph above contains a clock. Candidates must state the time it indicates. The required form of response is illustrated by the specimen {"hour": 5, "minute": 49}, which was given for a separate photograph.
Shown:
{"hour": 1, "minute": 6}
